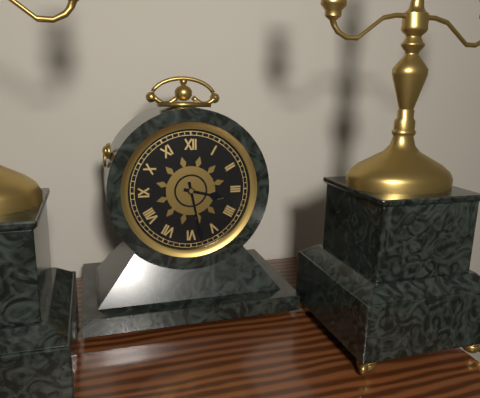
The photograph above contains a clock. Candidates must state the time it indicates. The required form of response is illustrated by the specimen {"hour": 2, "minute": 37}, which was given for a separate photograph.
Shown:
{"hour": 3, "minute": 28}
